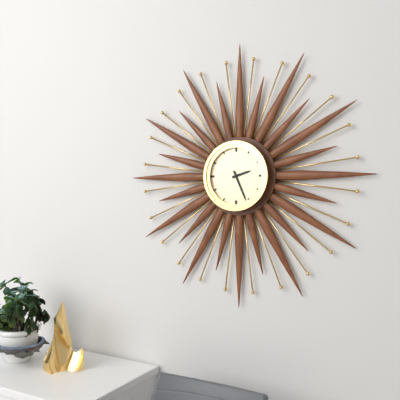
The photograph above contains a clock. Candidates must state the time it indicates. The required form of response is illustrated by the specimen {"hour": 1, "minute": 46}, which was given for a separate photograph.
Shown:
{"hour": 2, "minute": 26}
